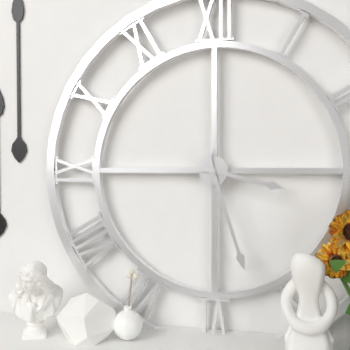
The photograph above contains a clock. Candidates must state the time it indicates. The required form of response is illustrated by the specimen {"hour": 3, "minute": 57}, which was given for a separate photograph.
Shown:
{"hour": 3, "minute": 27}
